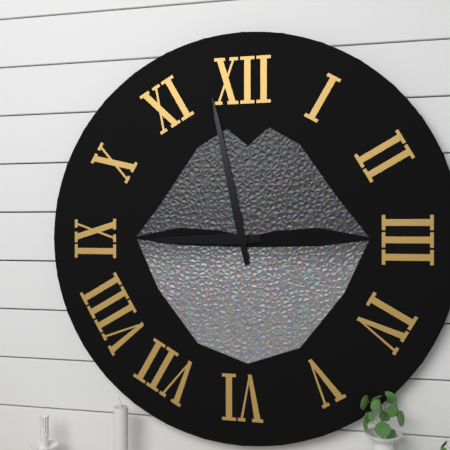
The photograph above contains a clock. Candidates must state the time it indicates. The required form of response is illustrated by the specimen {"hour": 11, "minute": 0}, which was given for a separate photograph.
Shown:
{"hour": 8, "minute": 58}
